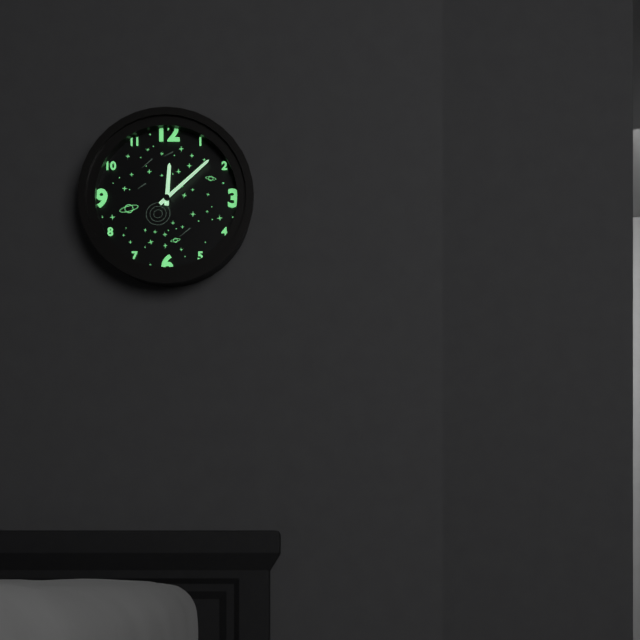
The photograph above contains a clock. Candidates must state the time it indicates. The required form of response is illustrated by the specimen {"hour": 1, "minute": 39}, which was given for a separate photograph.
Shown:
{"hour": 12, "minute": 8}
